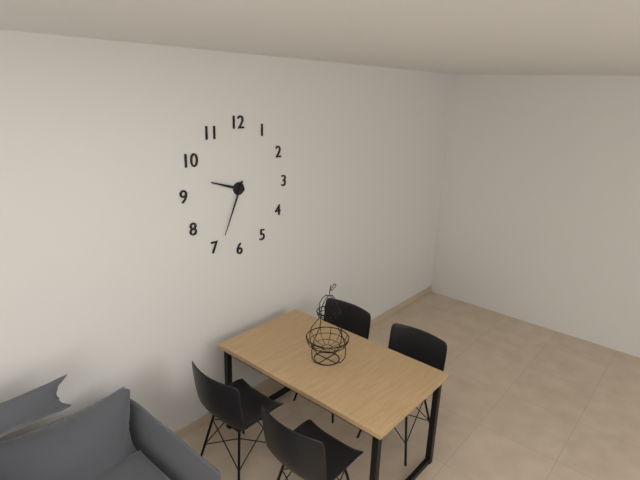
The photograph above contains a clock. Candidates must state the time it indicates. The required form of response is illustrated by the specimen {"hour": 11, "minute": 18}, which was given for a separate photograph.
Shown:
{"hour": 9, "minute": 34}
